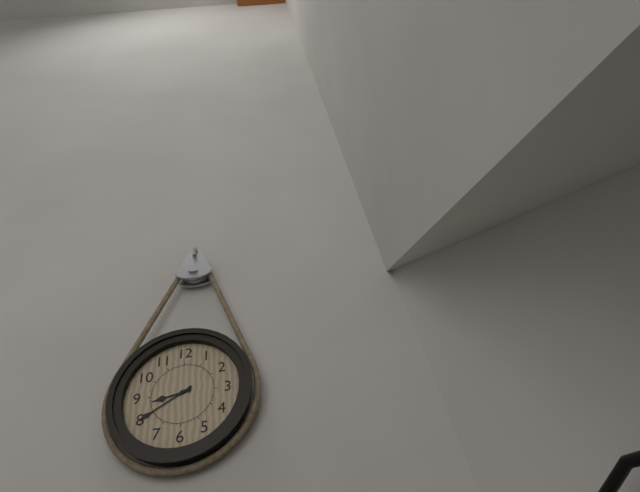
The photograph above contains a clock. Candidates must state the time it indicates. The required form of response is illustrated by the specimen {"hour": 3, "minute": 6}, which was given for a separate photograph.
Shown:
{"hour": 8, "minute": 40}
